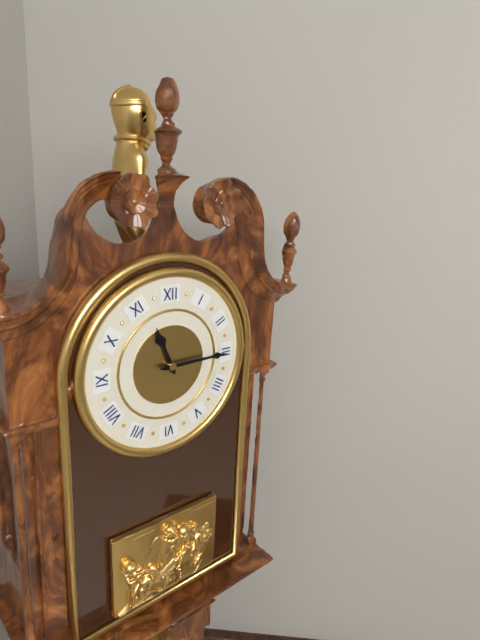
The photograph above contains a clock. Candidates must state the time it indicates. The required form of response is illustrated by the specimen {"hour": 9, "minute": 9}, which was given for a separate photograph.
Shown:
{"hour": 11, "minute": 15}
